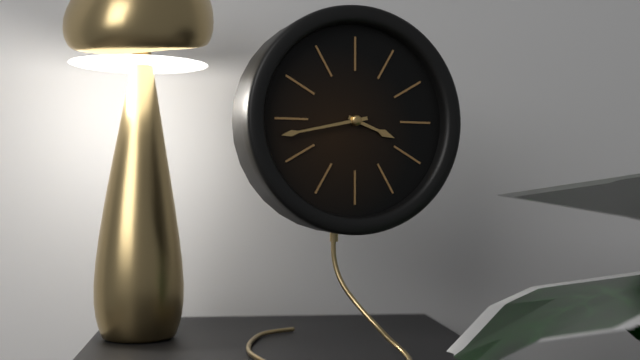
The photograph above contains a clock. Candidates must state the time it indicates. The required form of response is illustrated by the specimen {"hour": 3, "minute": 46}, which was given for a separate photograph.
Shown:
{"hour": 3, "minute": 43}
